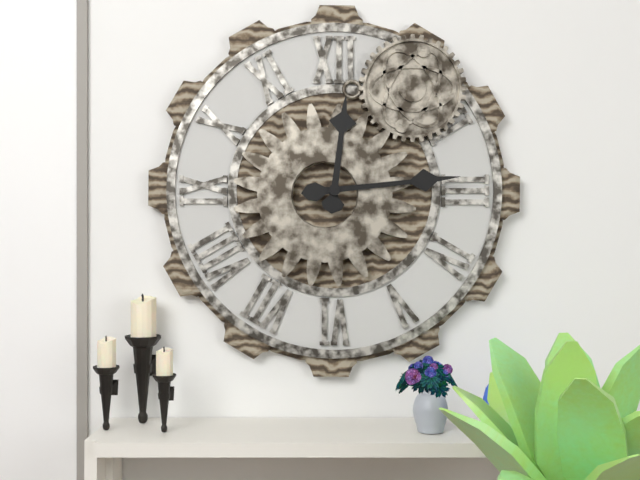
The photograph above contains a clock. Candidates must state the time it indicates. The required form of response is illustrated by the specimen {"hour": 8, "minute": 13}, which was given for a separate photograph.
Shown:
{"hour": 12, "minute": 14}
